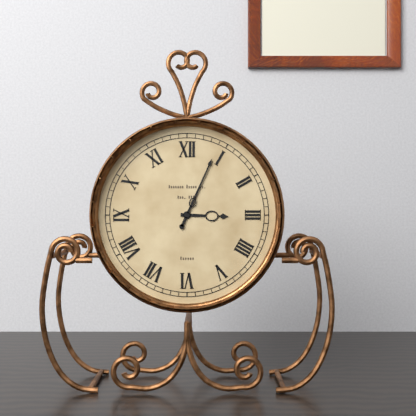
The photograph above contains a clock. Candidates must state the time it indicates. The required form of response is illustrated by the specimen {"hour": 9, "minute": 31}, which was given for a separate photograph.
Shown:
{"hour": 3, "minute": 4}
